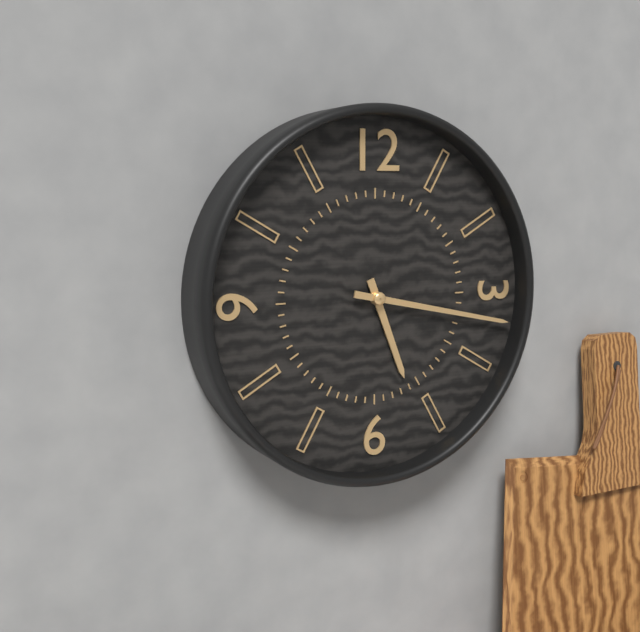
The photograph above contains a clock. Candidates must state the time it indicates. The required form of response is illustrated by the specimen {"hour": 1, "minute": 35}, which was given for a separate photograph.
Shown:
{"hour": 5, "minute": 17}
